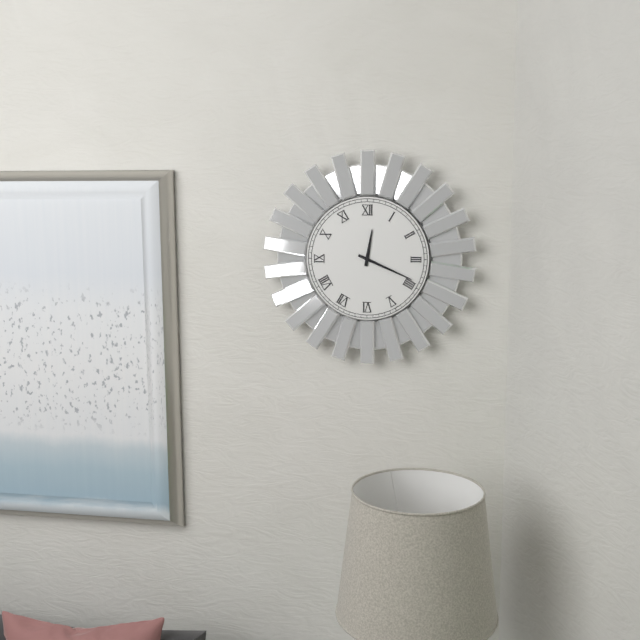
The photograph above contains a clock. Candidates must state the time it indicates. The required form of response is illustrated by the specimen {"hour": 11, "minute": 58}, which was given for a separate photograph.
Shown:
{"hour": 12, "minute": 19}
